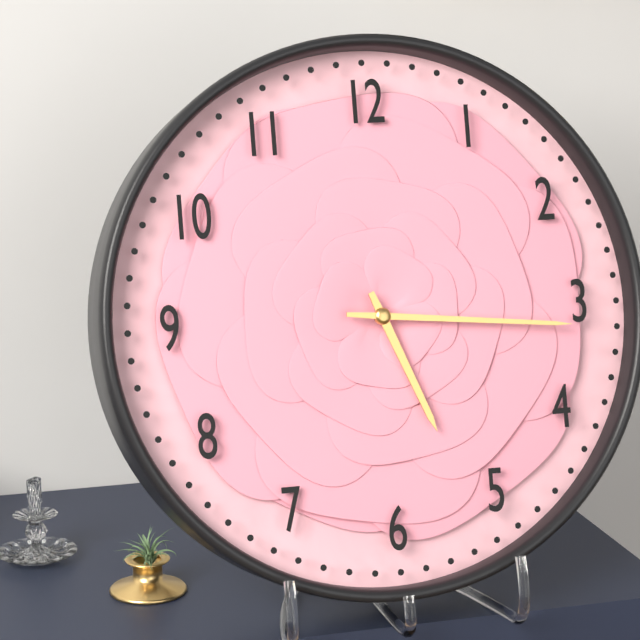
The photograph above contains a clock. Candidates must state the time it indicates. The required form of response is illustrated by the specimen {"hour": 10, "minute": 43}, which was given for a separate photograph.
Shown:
{"hour": 5, "minute": 16}
